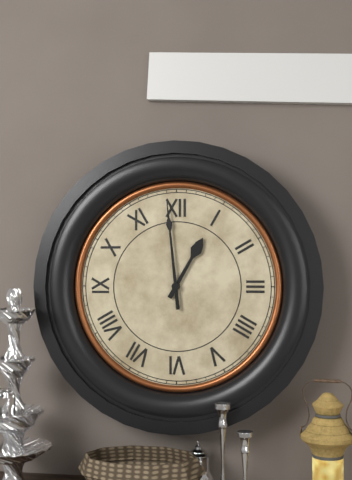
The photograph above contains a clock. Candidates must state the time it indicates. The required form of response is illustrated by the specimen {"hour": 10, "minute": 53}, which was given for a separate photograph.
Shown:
{"hour": 12, "minute": 59}
